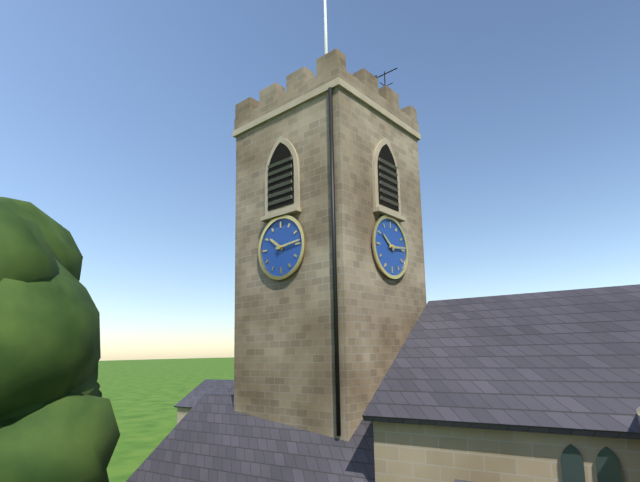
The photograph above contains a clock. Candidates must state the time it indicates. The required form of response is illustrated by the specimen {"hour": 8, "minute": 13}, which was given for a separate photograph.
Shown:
{"hour": 10, "minute": 14}
